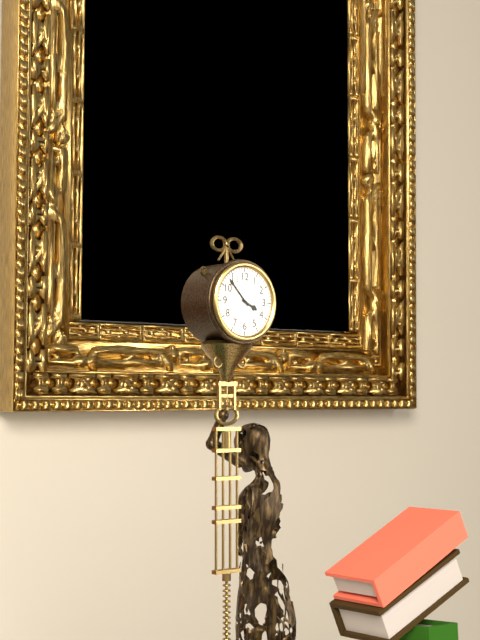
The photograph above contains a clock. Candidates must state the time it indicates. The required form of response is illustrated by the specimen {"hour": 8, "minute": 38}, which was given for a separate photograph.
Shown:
{"hour": 3, "minute": 53}
